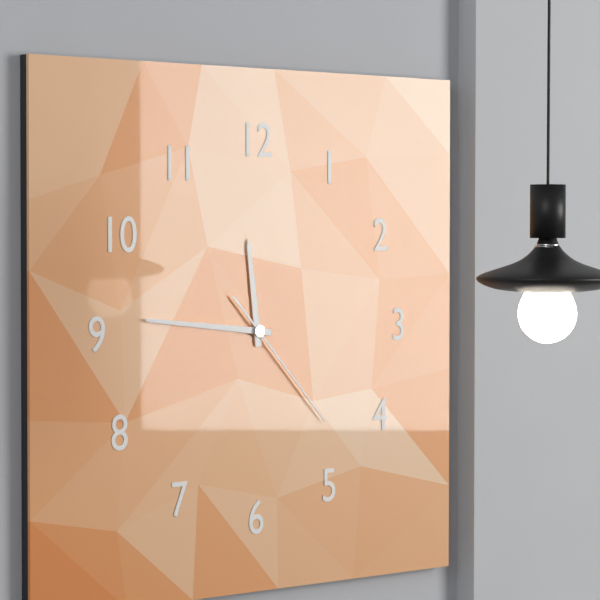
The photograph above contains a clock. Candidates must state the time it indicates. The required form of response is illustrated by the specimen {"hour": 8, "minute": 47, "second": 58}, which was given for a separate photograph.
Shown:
{"hour": 11, "minute": 46, "second": 23}
